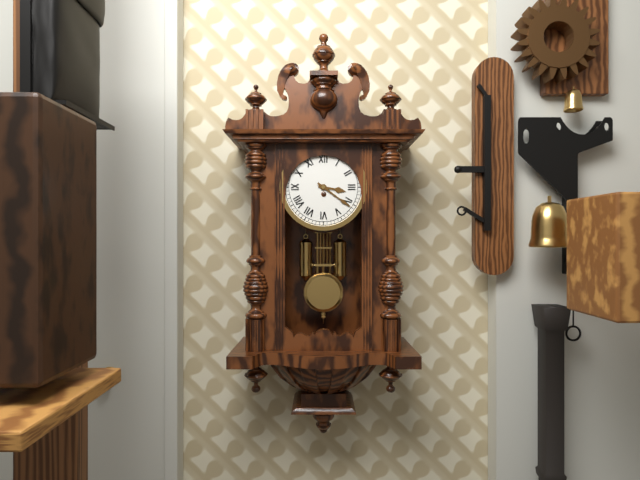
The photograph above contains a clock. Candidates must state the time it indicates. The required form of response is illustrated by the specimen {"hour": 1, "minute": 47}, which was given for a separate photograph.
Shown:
{"hour": 3, "minute": 21}
